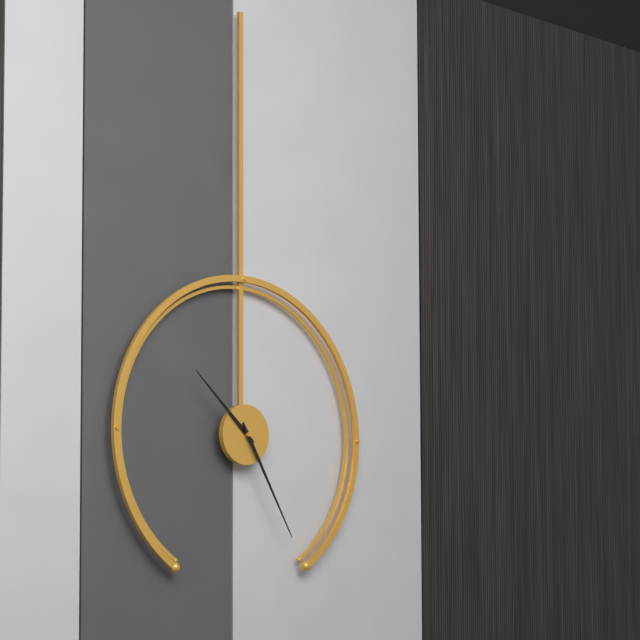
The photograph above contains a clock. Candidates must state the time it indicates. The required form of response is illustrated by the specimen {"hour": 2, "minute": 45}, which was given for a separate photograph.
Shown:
{"hour": 10, "minute": 25}
